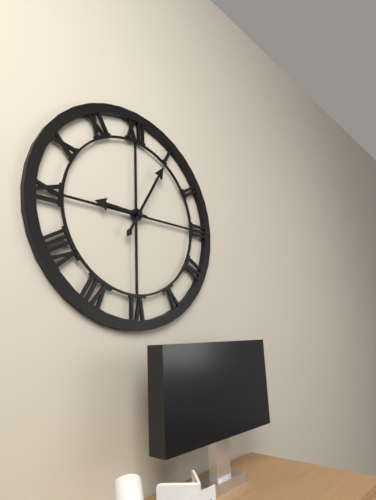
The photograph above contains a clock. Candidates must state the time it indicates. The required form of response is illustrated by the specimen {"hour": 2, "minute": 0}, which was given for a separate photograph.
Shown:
{"hour": 9, "minute": 5}
